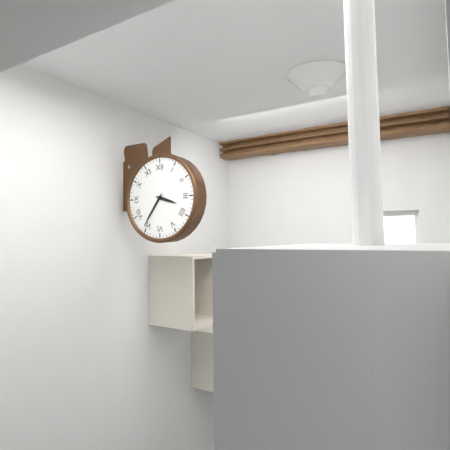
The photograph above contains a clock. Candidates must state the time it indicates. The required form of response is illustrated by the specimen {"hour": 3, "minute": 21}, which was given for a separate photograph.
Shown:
{"hour": 3, "minute": 36}
